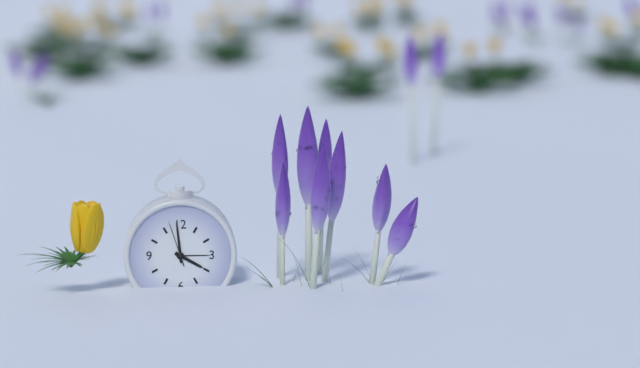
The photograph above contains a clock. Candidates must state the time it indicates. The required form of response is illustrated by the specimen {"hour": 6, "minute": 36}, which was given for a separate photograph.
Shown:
{"hour": 3, "minute": 59}
